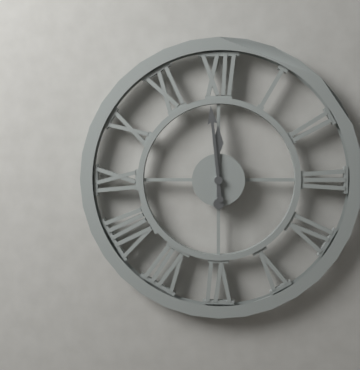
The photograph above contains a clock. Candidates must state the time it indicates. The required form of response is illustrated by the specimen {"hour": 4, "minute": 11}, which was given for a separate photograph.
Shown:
{"hour": 11, "minute": 59}
